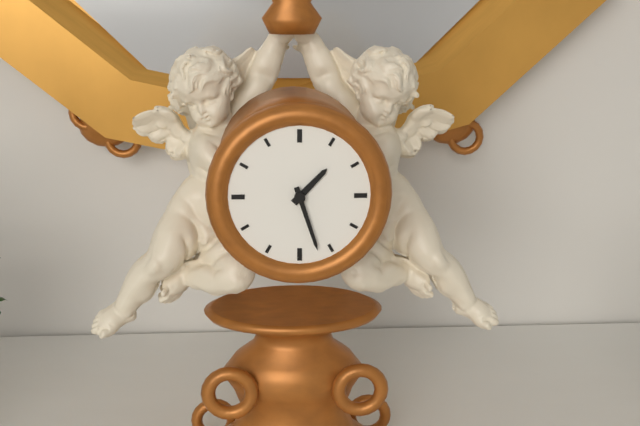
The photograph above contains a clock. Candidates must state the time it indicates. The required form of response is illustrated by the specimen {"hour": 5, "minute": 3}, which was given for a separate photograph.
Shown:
{"hour": 1, "minute": 27}
